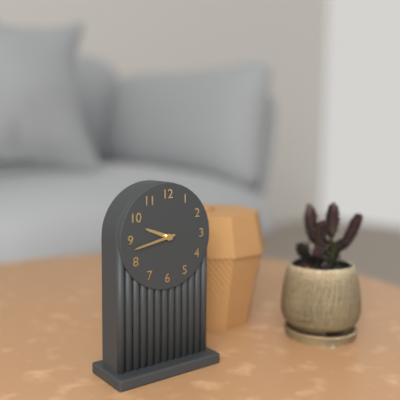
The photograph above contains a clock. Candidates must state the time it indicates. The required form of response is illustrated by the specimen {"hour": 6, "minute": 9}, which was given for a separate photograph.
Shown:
{"hour": 9, "minute": 43}
